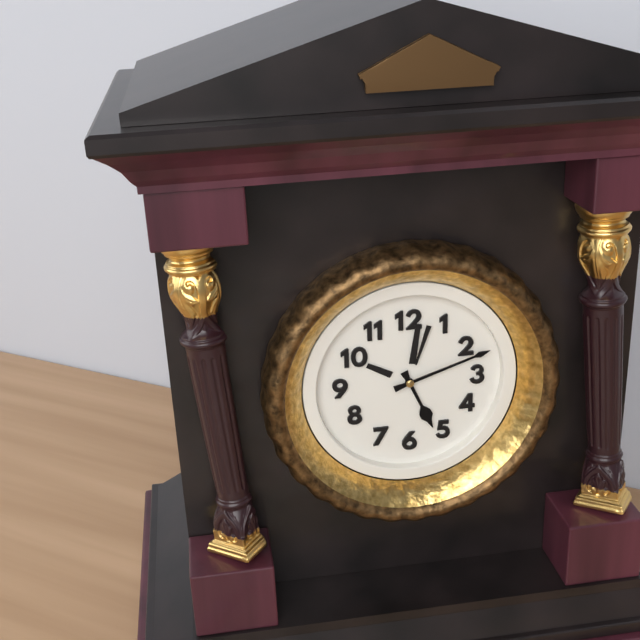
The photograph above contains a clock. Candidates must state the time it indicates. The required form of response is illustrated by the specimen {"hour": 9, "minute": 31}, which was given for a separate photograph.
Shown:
{"hour": 5, "minute": 12}
